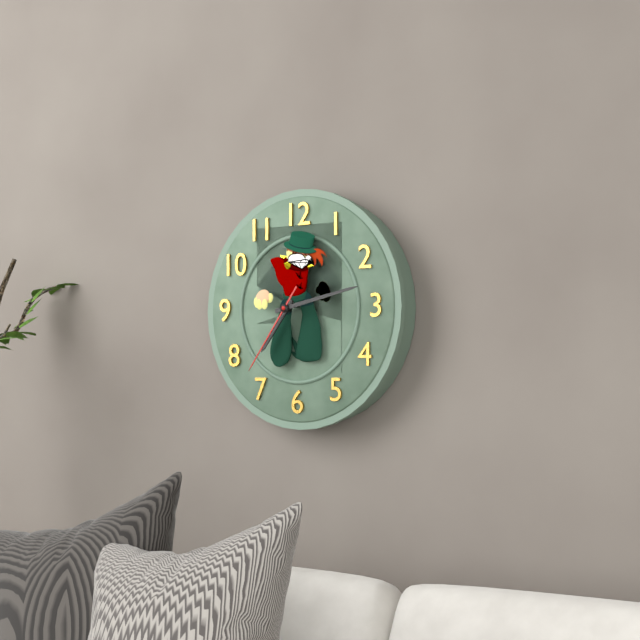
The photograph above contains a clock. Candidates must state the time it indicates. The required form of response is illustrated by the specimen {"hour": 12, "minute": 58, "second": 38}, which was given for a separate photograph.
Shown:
{"hour": 7, "minute": 13, "second": 36}
